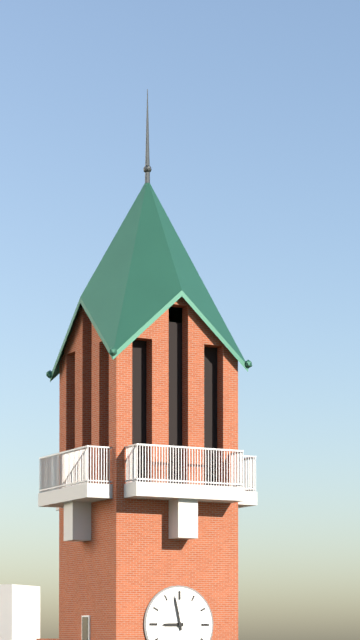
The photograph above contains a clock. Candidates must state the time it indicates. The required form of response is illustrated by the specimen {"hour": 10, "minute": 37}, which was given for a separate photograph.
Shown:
{"hour": 8, "minute": 58}
